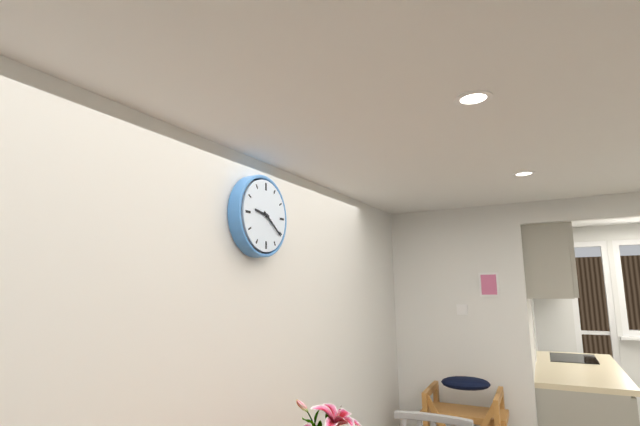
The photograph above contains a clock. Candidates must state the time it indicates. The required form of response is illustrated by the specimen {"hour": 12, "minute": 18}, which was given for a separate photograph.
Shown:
{"hour": 9, "minute": 21}
